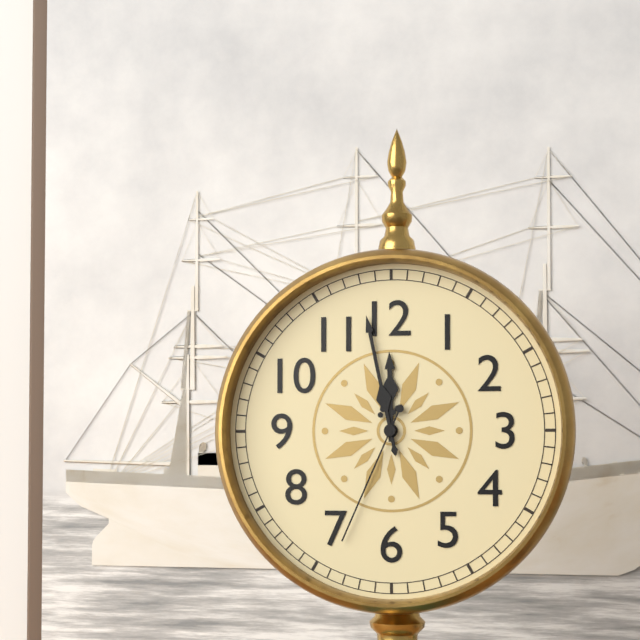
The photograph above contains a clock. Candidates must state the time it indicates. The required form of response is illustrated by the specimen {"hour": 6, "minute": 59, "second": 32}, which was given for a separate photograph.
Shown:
{"hour": 11, "minute": 58, "second": 34}
